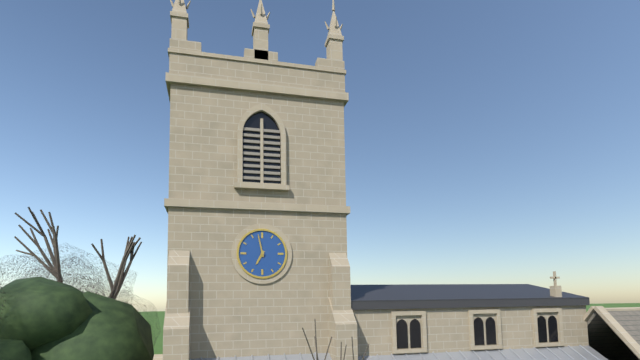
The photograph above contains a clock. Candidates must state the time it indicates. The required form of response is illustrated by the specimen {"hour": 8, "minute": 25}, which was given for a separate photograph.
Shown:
{"hour": 6, "minute": 58}
